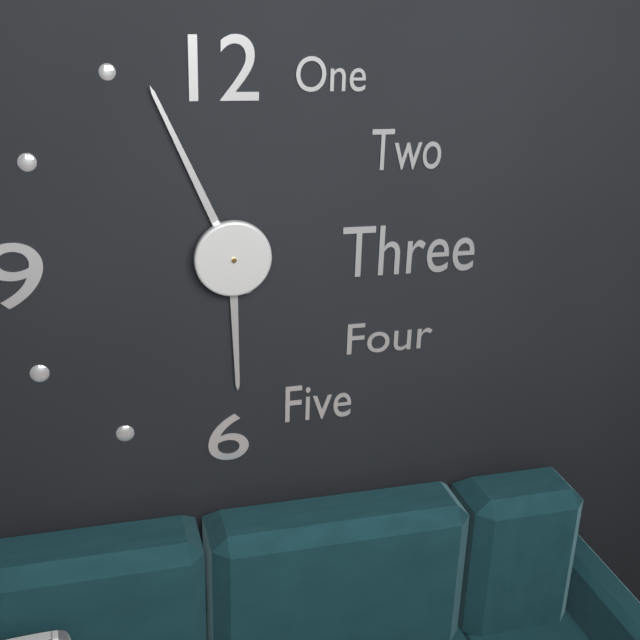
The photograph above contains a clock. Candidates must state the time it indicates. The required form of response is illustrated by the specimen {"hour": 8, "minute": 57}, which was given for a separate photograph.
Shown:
{"hour": 5, "minute": 56}
